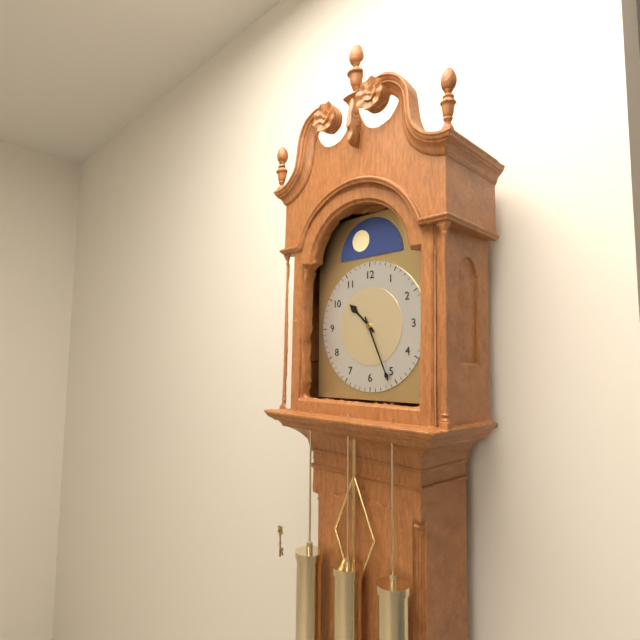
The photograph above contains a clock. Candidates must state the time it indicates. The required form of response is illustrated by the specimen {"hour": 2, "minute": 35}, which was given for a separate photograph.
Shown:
{"hour": 10, "minute": 26}
